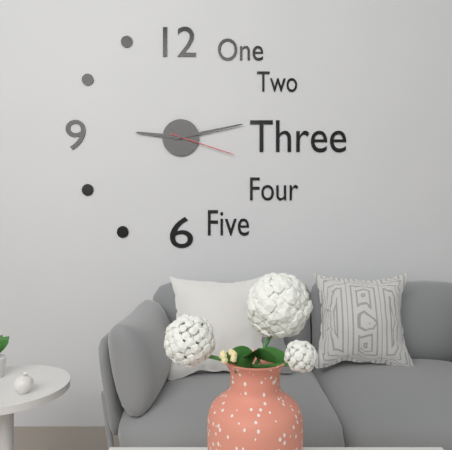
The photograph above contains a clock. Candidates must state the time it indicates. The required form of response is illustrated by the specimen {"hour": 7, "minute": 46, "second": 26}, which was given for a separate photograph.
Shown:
{"hour": 9, "minute": 13, "second": 18}
